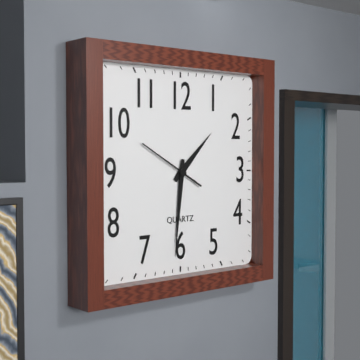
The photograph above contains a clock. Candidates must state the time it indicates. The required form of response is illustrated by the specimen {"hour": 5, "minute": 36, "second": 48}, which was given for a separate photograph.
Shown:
{"hour": 1, "minute": 31, "second": 50}
